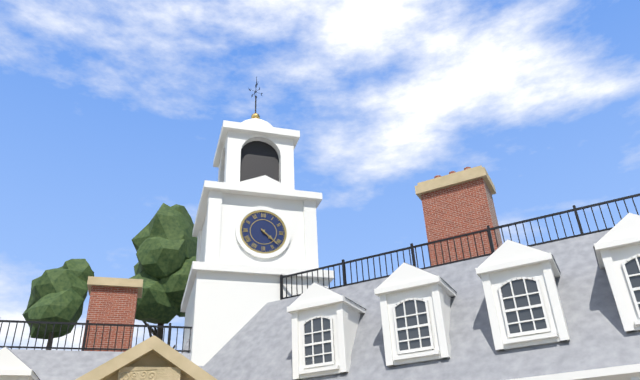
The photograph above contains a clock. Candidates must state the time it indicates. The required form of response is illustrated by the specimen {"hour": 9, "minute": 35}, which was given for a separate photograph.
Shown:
{"hour": 4, "minute": 22}
